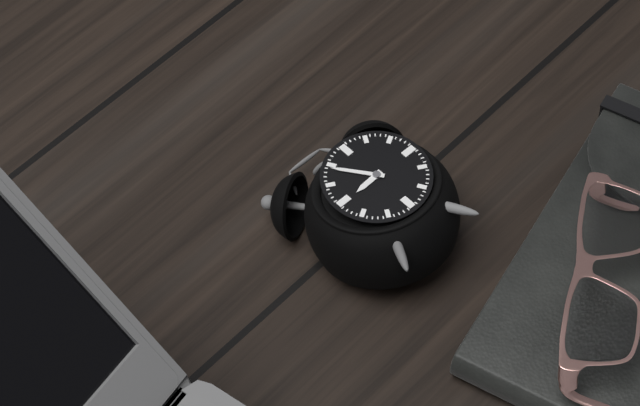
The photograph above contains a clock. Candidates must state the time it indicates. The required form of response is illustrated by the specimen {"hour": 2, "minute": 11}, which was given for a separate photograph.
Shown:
{"hour": 8, "minute": 54}
